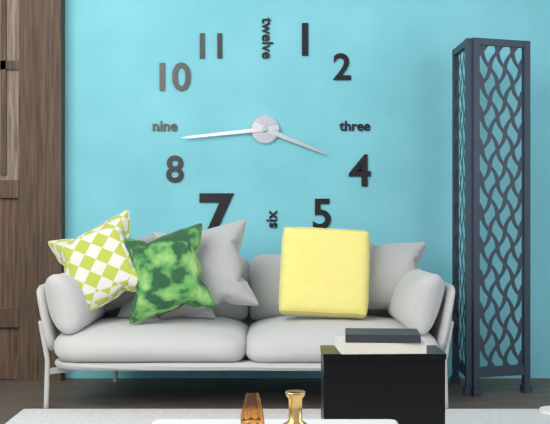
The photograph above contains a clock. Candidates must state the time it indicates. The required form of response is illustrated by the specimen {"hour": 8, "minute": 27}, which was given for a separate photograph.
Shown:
{"hour": 3, "minute": 44}
